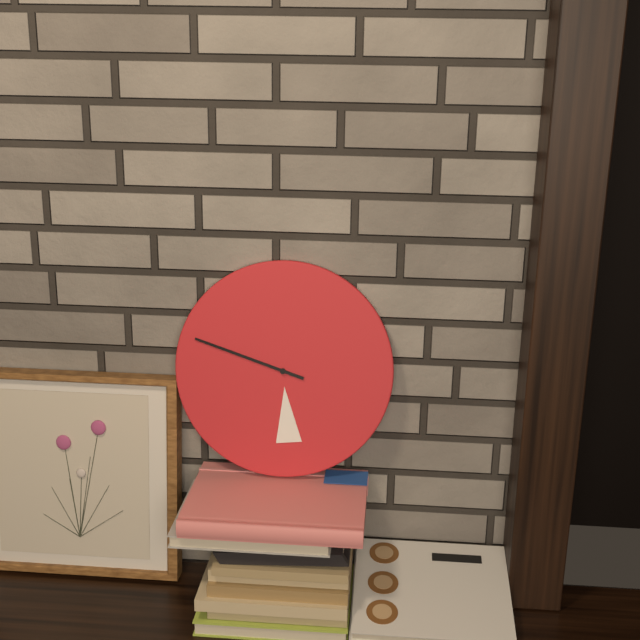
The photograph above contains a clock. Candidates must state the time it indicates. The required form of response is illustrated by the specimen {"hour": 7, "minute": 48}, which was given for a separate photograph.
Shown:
{"hour": 5, "minute": 48}
